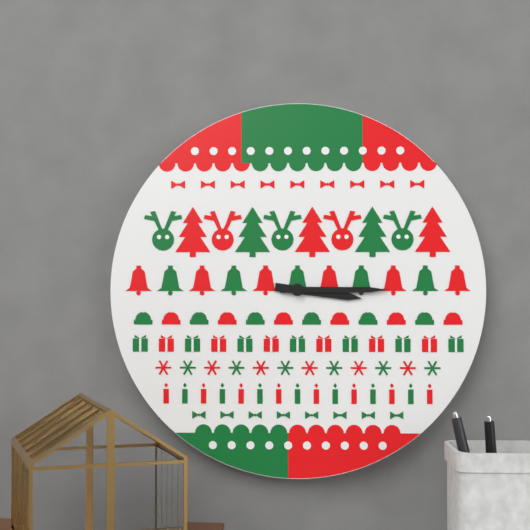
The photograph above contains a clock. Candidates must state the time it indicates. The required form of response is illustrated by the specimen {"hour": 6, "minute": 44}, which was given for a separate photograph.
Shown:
{"hour": 3, "minute": 15}
